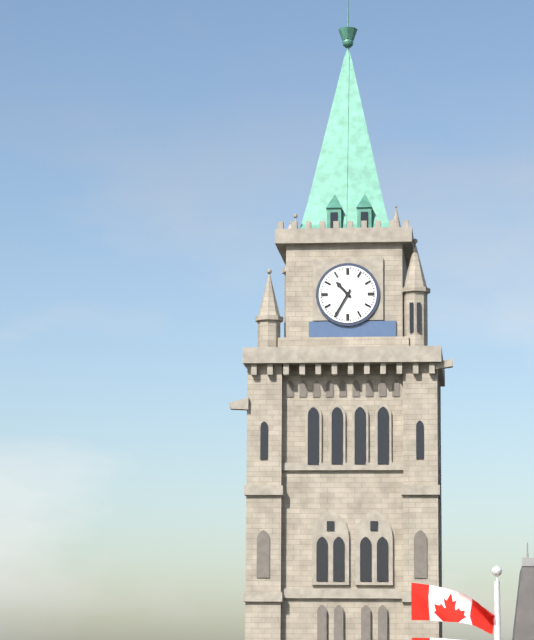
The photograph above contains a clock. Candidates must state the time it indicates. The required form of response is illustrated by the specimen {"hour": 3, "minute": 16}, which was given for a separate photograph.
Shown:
{"hour": 10, "minute": 35}
